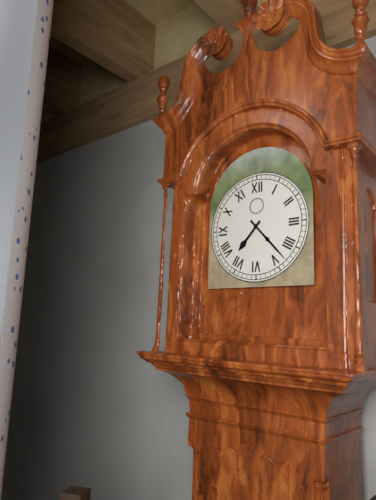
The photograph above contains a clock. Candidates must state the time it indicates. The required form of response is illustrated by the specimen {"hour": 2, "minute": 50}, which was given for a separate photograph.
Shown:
{"hour": 7, "minute": 23}
